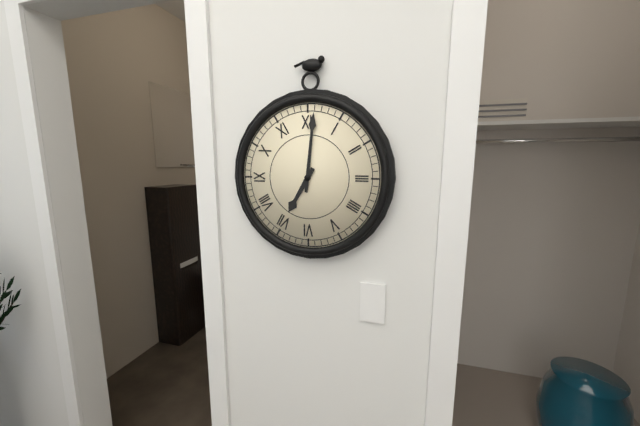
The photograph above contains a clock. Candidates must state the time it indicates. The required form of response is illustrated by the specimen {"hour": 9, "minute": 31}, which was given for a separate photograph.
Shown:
{"hour": 7, "minute": 1}
